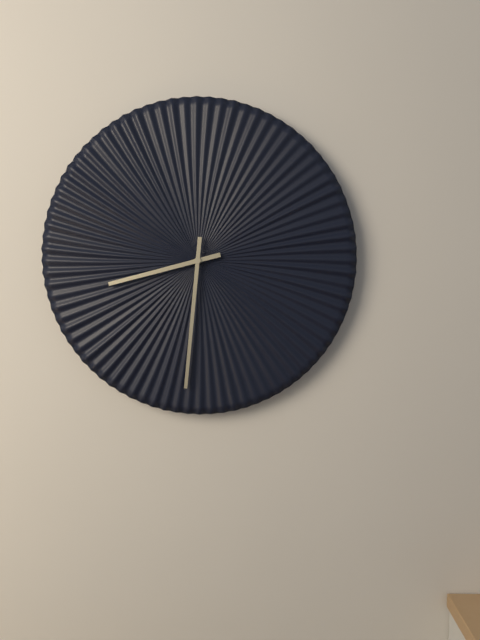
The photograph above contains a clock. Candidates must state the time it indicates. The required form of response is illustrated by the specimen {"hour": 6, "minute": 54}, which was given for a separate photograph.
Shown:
{"hour": 8, "minute": 31}
